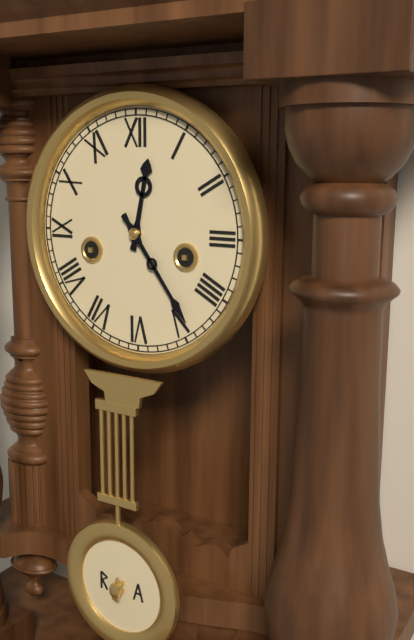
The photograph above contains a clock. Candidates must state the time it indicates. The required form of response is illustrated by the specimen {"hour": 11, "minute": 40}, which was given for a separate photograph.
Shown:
{"hour": 12, "minute": 24}
